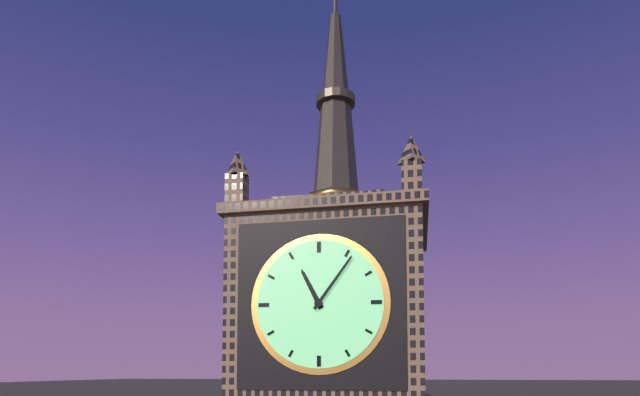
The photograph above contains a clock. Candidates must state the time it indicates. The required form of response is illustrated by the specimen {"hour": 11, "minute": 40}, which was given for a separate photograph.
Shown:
{"hour": 11, "minute": 6}
